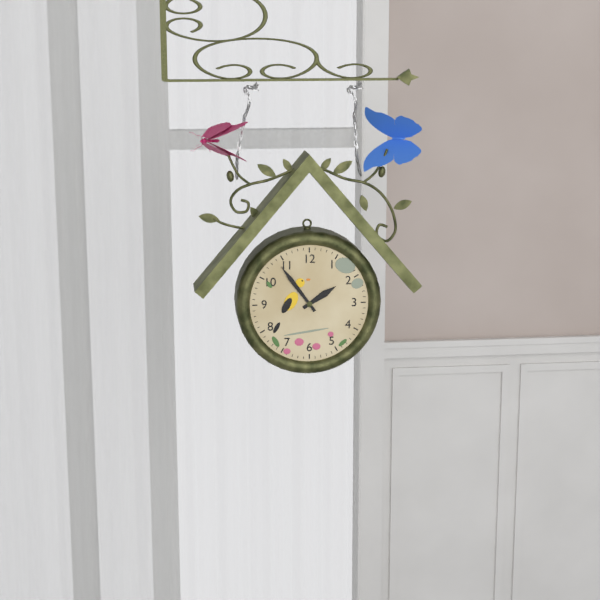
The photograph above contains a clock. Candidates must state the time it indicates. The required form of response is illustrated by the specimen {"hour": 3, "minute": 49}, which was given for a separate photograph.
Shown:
{"hour": 1, "minute": 54}
